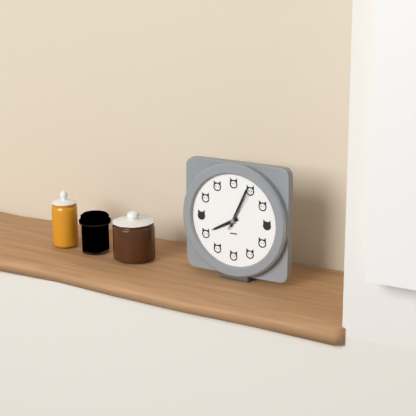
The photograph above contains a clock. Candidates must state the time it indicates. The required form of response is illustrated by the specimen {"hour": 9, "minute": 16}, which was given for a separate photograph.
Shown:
{"hour": 8, "minute": 4}
